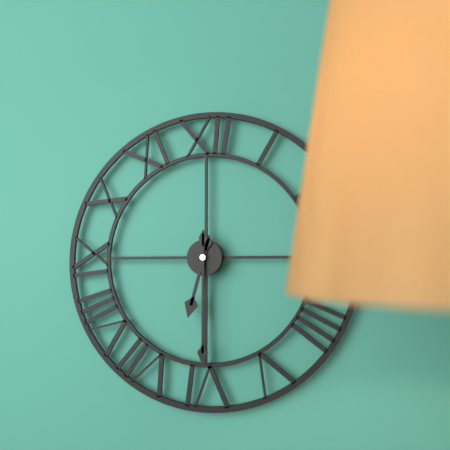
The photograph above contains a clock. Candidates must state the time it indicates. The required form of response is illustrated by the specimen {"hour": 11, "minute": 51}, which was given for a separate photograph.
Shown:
{"hour": 6, "minute": 30}
